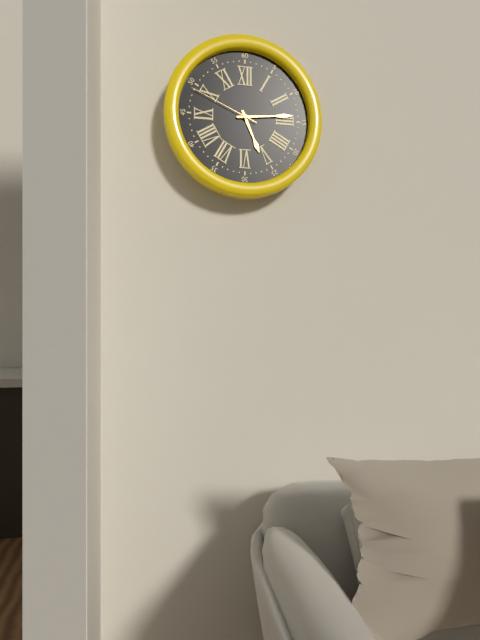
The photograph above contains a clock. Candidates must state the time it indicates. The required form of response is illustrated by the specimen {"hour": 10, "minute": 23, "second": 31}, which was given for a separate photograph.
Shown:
{"hour": 5, "minute": 14, "second": 49}
